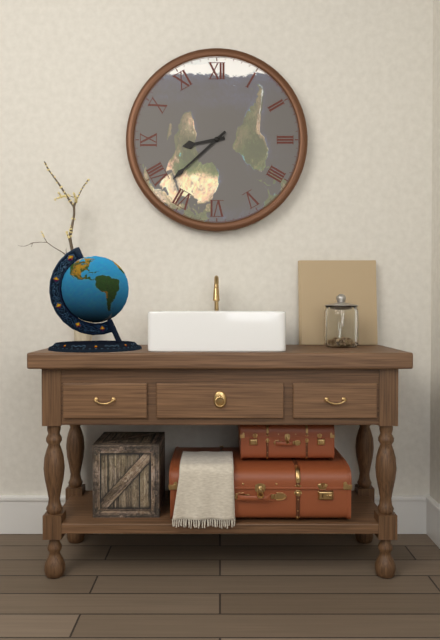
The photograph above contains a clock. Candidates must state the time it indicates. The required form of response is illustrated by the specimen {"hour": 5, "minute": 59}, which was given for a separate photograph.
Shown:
{"hour": 8, "minute": 38}
